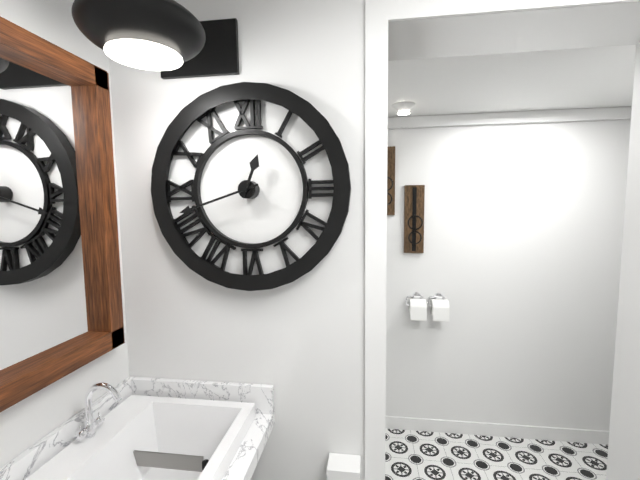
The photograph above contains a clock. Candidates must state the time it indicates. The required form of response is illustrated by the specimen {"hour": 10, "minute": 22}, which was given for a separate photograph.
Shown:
{"hour": 12, "minute": 42}
